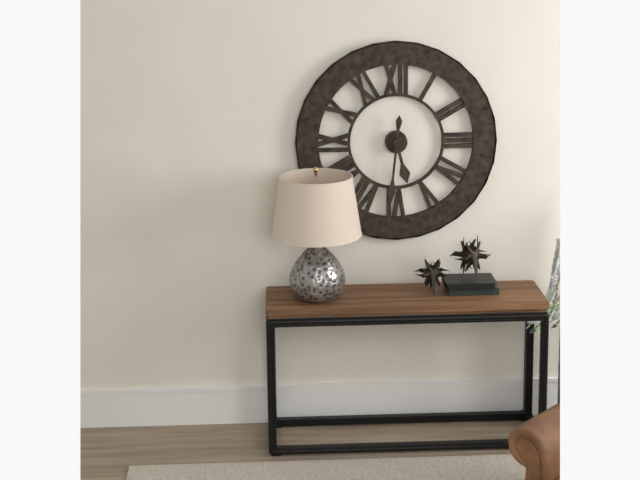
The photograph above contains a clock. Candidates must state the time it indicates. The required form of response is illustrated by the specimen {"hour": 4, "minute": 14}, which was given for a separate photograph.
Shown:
{"hour": 5, "minute": 31}
